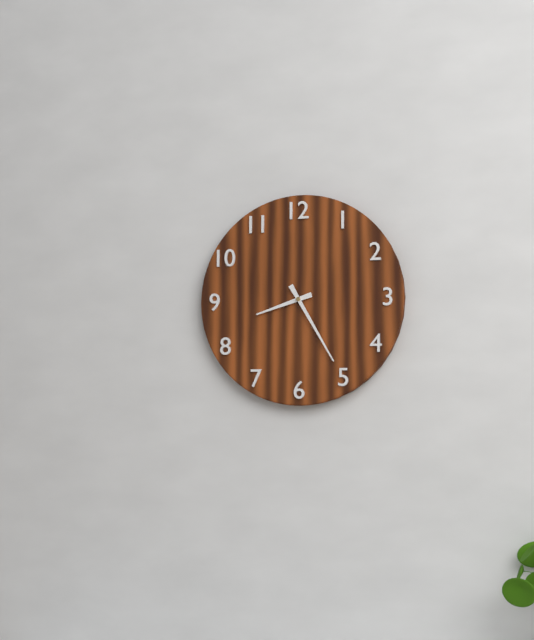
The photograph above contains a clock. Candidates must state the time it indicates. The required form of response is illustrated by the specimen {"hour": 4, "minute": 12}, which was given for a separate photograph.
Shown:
{"hour": 8, "minute": 25}
